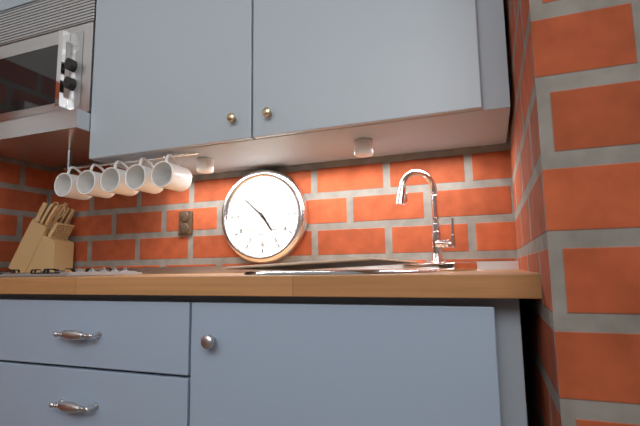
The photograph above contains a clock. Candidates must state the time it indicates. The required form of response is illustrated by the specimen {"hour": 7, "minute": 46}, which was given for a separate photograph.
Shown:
{"hour": 4, "minute": 52}
